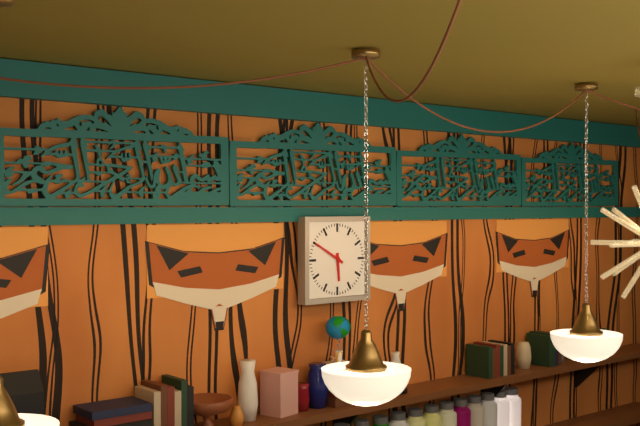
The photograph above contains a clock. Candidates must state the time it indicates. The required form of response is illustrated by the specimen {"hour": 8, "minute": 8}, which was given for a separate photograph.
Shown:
{"hour": 5, "minute": 50}
